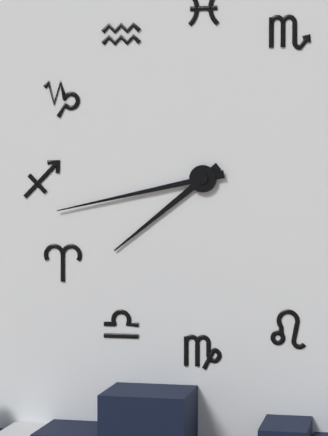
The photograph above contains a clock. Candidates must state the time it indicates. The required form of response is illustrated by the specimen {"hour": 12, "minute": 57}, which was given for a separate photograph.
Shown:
{"hour": 7, "minute": 43}
